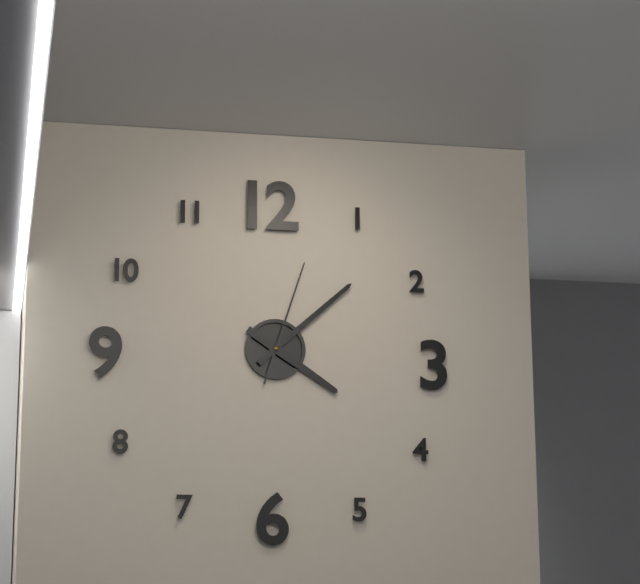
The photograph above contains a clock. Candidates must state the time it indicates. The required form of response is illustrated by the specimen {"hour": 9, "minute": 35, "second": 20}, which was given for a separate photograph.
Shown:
{"hour": 4, "minute": 8, "second": 3}
